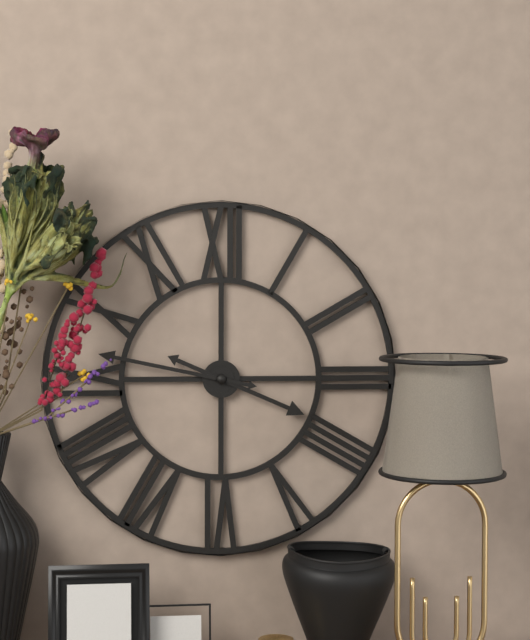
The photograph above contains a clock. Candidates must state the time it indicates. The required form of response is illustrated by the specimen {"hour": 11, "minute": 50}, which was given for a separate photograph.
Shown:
{"hour": 3, "minute": 47}
